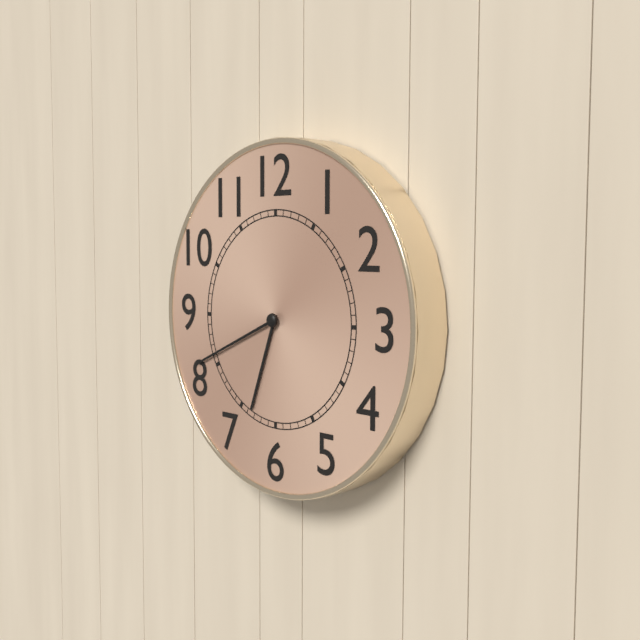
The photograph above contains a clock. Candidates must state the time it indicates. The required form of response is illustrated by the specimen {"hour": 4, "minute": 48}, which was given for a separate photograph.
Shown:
{"hour": 6, "minute": 41}
